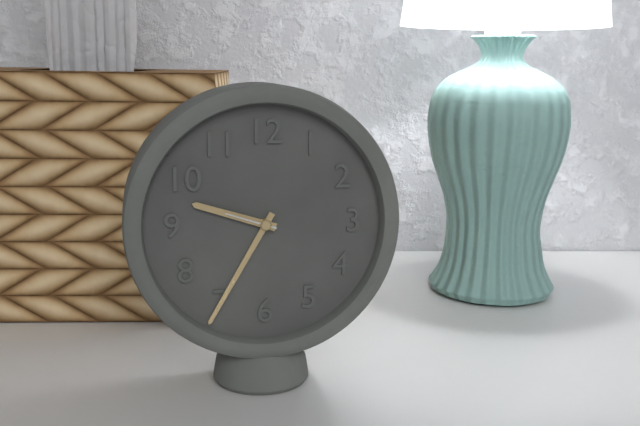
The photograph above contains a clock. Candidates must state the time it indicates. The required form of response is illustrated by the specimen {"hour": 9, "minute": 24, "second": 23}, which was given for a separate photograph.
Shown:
{"hour": 9, "minute": 35, "second": 48}
